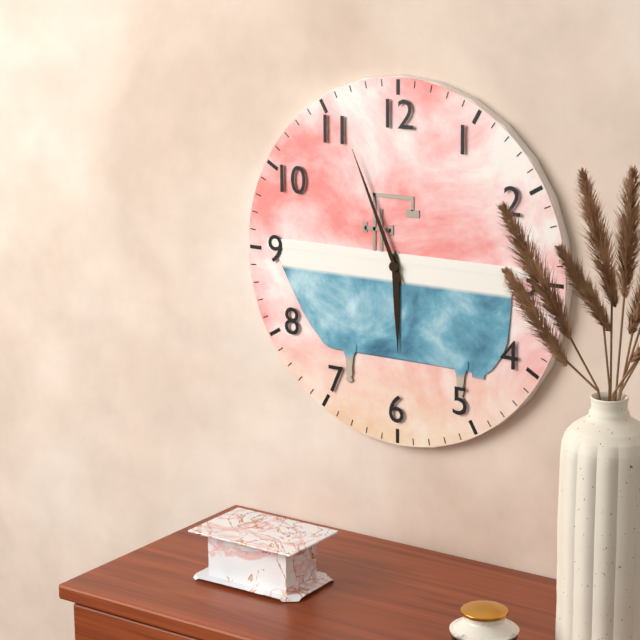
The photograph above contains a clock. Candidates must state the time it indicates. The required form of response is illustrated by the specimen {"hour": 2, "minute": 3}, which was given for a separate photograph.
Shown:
{"hour": 5, "minute": 56}
